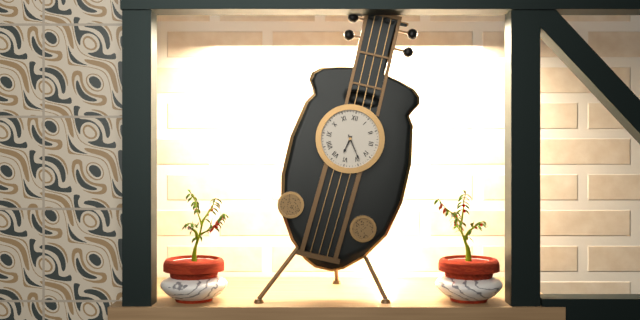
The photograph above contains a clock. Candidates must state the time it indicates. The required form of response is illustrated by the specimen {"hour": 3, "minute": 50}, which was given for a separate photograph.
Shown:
{"hour": 6, "minute": 24}
